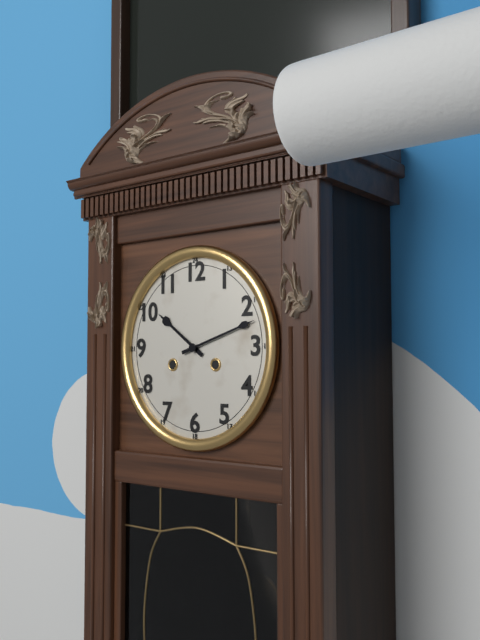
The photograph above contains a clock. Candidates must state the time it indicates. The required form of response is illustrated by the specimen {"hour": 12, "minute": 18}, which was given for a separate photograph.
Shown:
{"hour": 10, "minute": 12}
